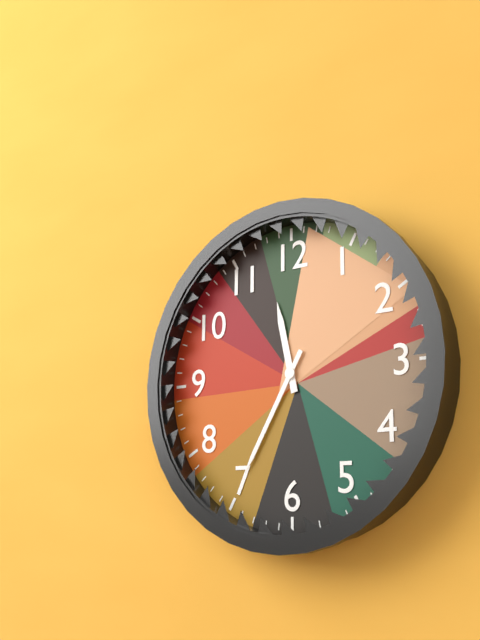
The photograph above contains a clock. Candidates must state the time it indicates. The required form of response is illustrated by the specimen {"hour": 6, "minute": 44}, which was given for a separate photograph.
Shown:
{"hour": 11, "minute": 35}
